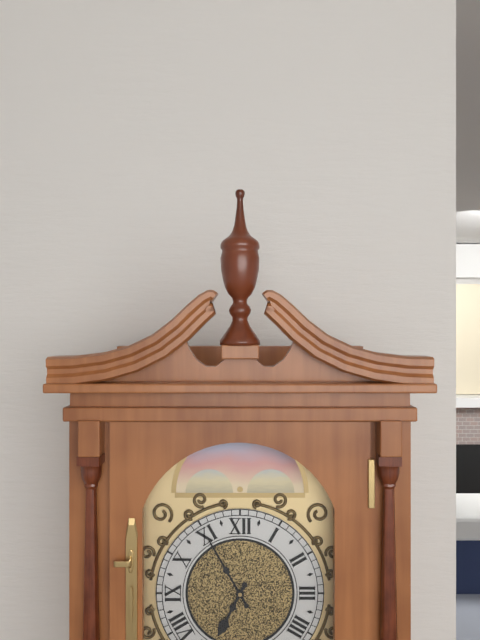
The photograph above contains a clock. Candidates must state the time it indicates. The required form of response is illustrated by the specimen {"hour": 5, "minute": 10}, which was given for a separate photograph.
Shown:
{"hour": 6, "minute": 55}
